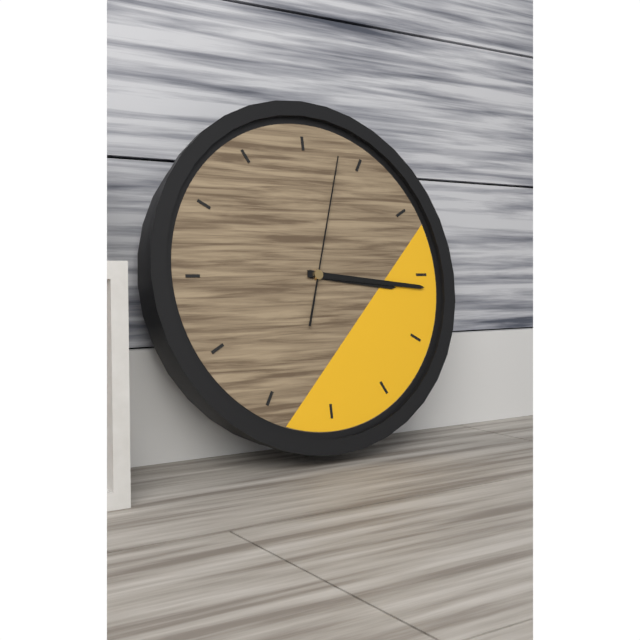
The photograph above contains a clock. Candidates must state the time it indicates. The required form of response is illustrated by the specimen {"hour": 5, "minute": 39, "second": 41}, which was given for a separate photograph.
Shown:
{"hour": 3, "minute": 16, "second": 3}
